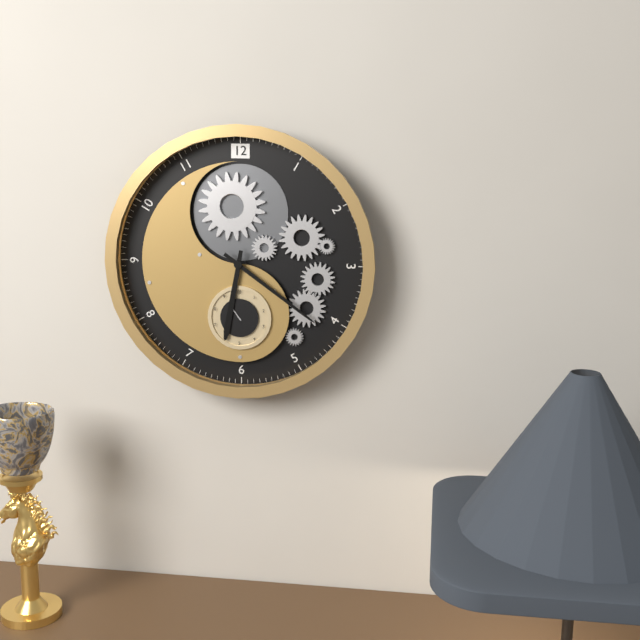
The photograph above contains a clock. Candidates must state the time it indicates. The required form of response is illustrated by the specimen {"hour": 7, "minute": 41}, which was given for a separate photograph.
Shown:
{"hour": 6, "minute": 21}
